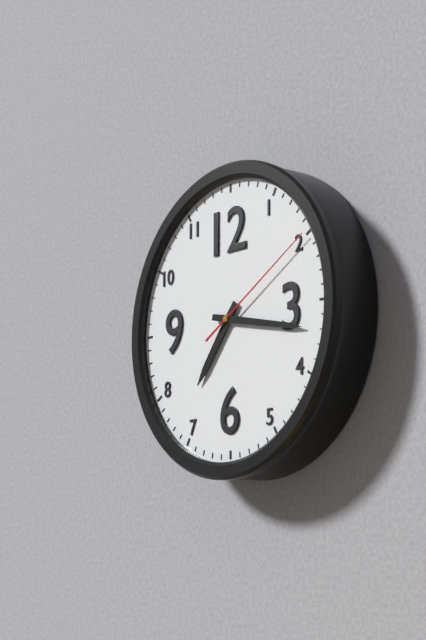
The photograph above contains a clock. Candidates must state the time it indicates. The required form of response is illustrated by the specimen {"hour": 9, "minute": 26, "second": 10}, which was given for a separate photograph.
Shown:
{"hour": 7, "minute": 17, "second": 10}
